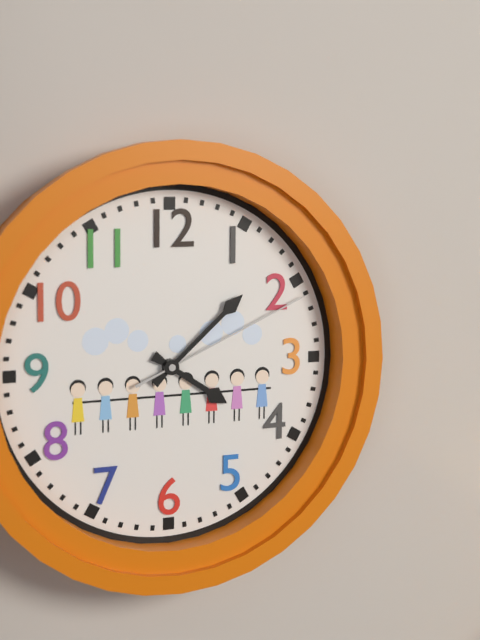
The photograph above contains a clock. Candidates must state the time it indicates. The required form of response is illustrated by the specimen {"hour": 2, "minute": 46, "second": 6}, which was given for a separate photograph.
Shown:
{"hour": 4, "minute": 8, "second": 11}
